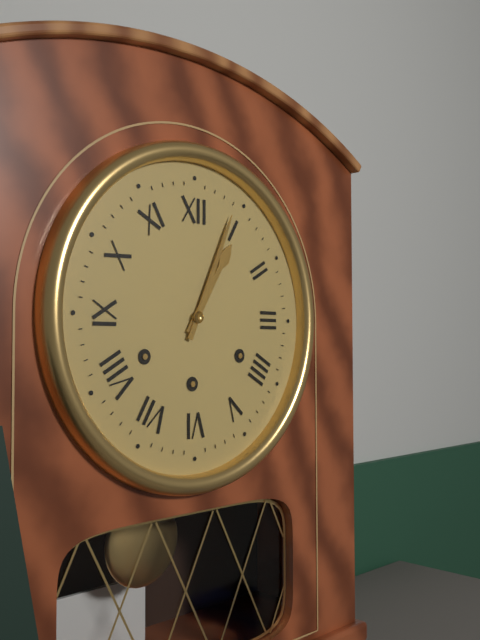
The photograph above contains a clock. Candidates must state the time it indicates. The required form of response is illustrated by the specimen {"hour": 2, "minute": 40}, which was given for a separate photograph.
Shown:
{"hour": 1, "minute": 4}
